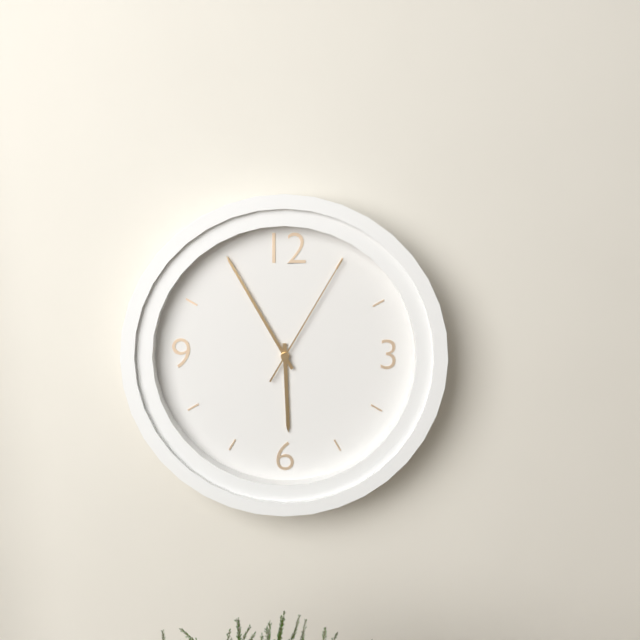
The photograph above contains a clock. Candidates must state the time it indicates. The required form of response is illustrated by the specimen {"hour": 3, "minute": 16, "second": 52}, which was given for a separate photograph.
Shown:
{"hour": 5, "minute": 55, "second": 5}
